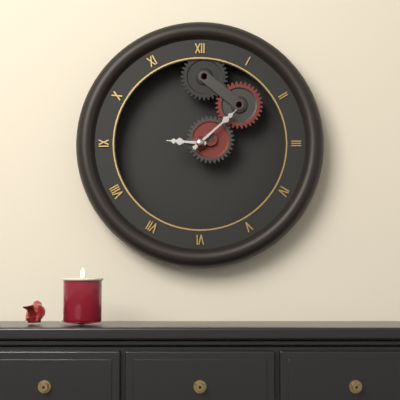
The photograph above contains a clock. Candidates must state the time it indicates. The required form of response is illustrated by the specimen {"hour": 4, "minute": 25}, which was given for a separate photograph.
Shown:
{"hour": 9, "minute": 8}
